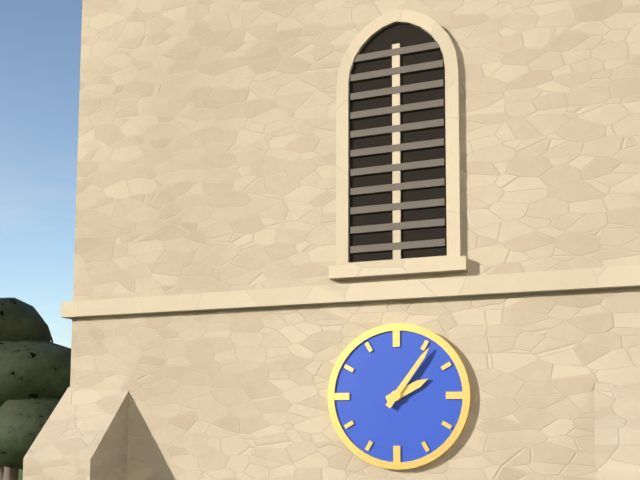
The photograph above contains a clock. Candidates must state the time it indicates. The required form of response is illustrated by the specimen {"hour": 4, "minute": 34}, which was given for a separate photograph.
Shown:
{"hour": 2, "minute": 6}
